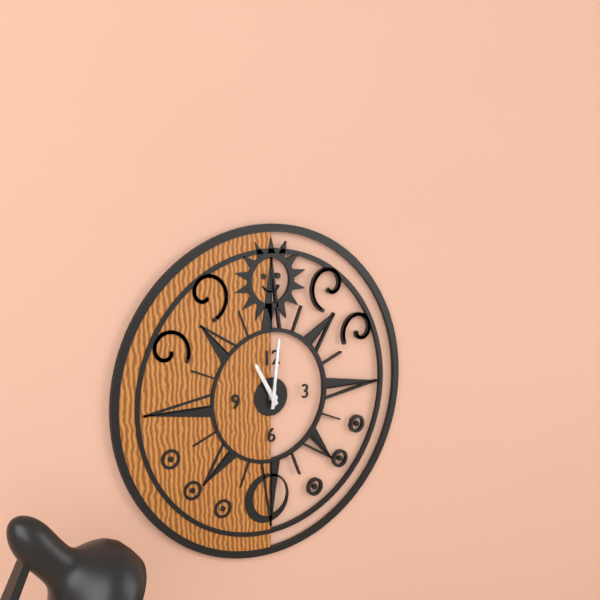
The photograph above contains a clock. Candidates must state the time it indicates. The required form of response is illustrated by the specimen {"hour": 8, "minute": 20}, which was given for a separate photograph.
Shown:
{"hour": 11, "minute": 1}
